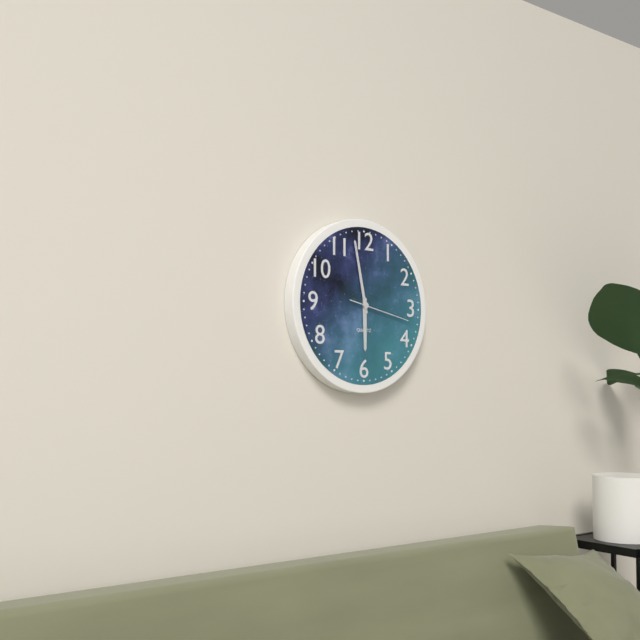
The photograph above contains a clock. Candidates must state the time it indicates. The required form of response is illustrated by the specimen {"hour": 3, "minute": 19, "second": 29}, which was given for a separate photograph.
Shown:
{"hour": 5, "minute": 58, "second": 17}
